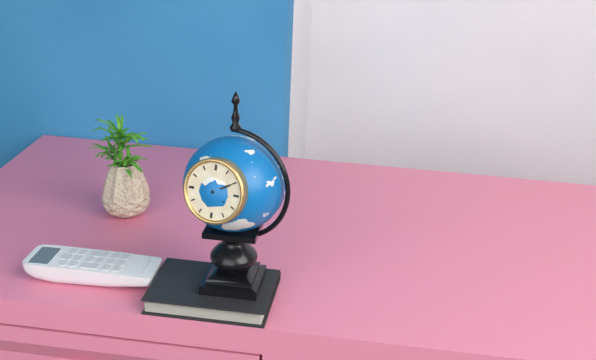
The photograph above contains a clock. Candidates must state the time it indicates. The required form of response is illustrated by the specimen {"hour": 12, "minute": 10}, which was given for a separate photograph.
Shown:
{"hour": 4, "minute": 10}
